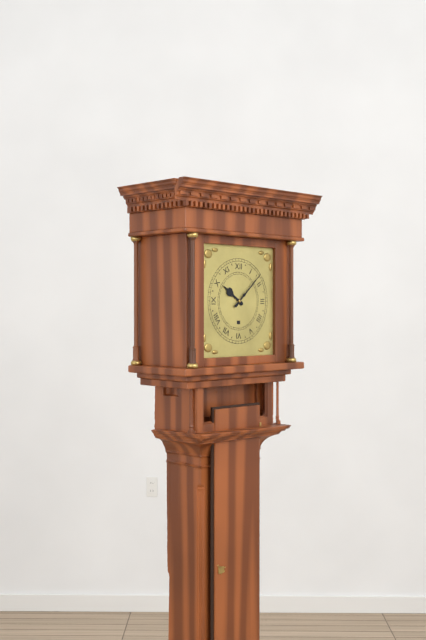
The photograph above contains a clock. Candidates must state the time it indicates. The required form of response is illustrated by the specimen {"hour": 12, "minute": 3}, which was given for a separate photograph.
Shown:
{"hour": 10, "minute": 8}
